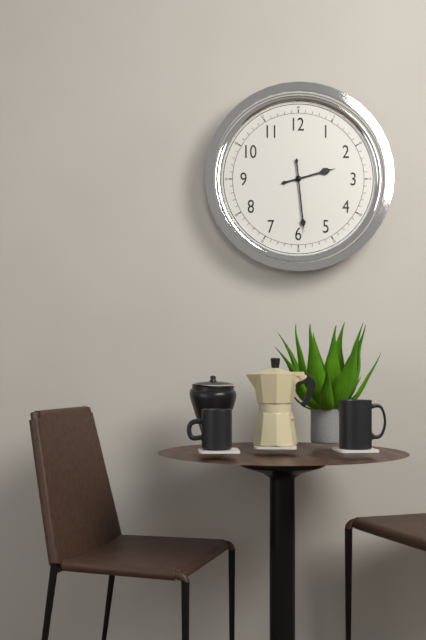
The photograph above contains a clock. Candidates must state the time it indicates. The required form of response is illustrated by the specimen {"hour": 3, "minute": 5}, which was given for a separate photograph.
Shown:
{"hour": 2, "minute": 29}
